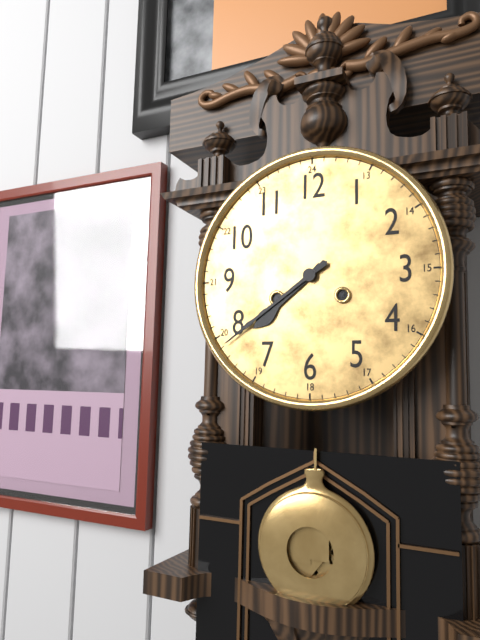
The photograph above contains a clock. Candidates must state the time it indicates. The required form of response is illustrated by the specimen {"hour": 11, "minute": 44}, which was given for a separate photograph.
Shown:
{"hour": 7, "minute": 39}
